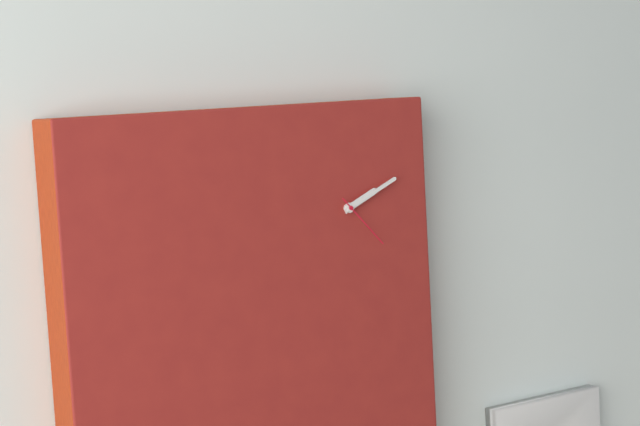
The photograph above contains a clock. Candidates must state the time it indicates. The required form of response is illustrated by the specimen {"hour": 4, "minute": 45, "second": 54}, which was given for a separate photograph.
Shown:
{"hour": 2, "minute": 11, "second": 23}
